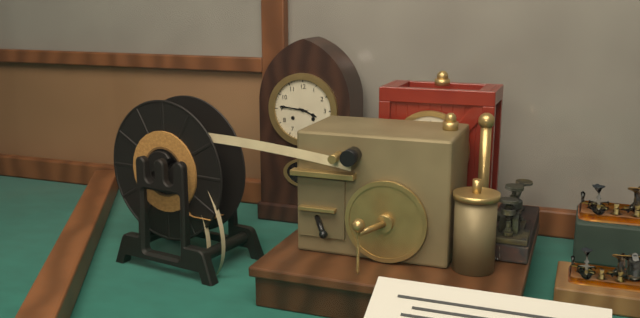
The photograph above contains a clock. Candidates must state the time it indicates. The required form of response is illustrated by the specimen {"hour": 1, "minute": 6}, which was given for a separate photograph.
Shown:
{"hour": 3, "minute": 46}
